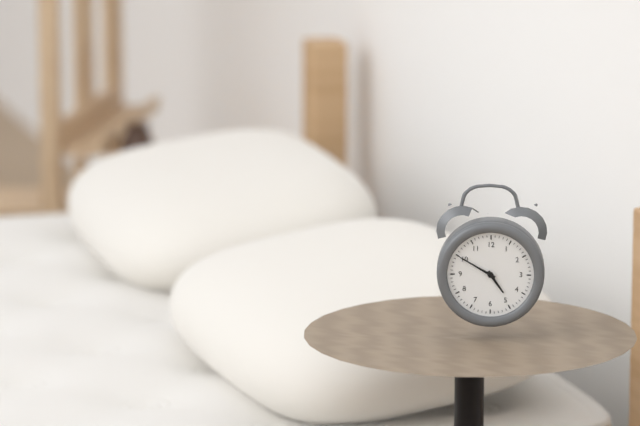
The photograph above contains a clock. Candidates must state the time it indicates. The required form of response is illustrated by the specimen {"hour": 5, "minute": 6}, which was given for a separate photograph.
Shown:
{"hour": 4, "minute": 50}
